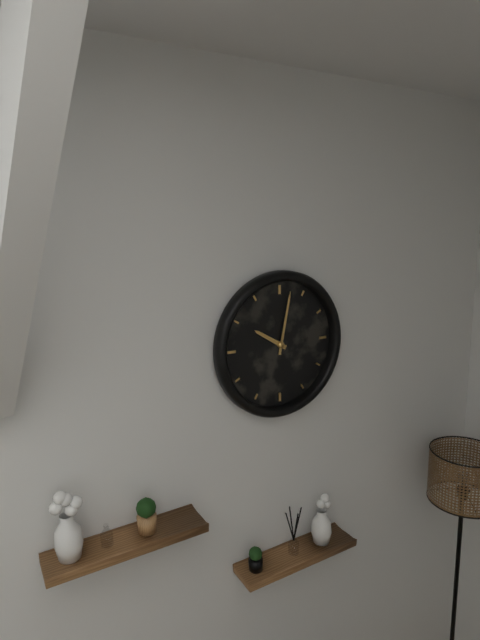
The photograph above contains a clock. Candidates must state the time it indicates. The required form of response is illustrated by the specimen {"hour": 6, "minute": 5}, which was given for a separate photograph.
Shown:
{"hour": 10, "minute": 2}
